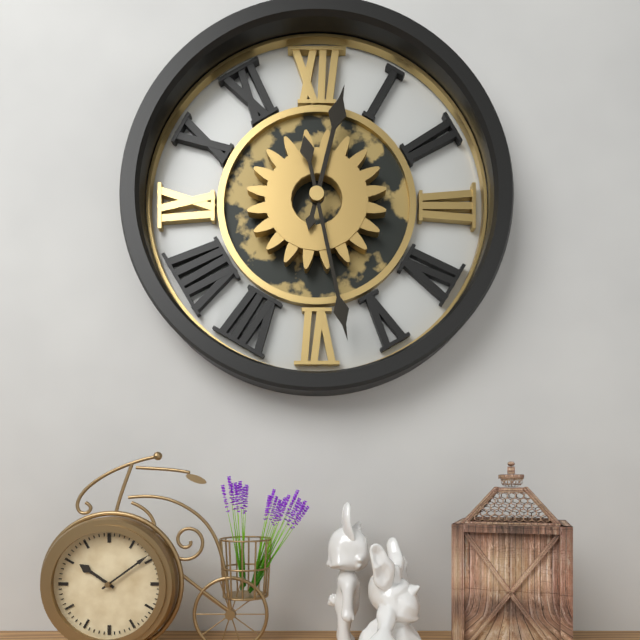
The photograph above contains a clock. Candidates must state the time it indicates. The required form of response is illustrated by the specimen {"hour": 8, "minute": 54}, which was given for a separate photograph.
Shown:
{"hour": 12, "minute": 28}
